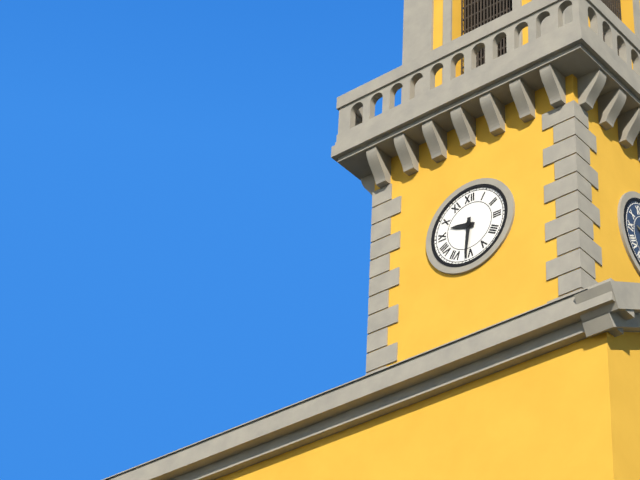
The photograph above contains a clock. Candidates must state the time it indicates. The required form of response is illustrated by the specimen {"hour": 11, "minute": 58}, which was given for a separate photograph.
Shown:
{"hour": 9, "minute": 31}
